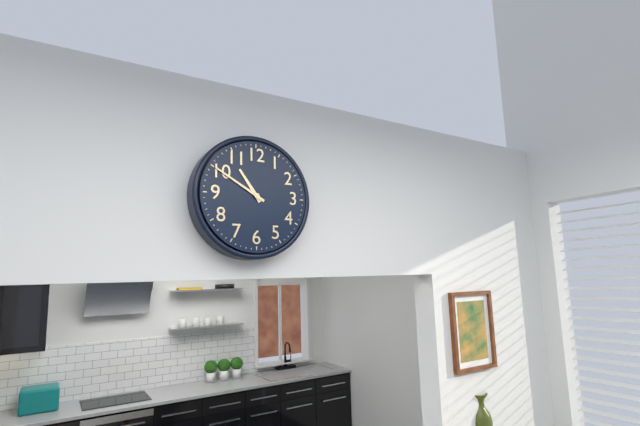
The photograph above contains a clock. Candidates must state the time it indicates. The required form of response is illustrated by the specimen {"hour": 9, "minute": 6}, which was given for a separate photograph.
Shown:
{"hour": 10, "minute": 50}
